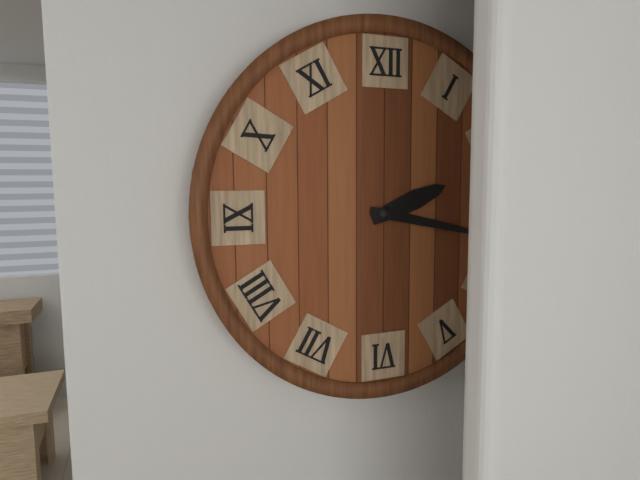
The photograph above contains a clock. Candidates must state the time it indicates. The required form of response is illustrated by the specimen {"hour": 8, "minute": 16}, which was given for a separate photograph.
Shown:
{"hour": 2, "minute": 17}
